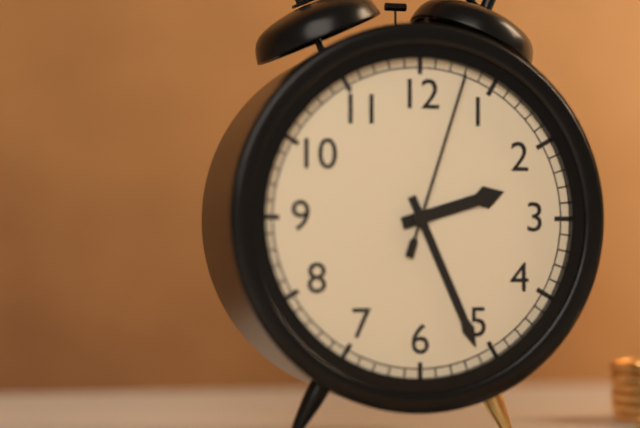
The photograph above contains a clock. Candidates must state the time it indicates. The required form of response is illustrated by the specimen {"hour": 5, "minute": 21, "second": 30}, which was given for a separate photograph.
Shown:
{"hour": 2, "minute": 26, "second": 3}
